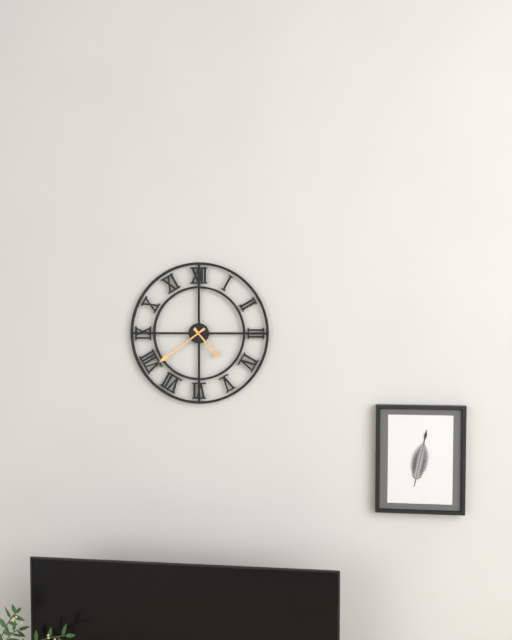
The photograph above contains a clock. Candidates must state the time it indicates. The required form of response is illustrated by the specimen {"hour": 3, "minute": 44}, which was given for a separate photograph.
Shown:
{"hour": 4, "minute": 39}
